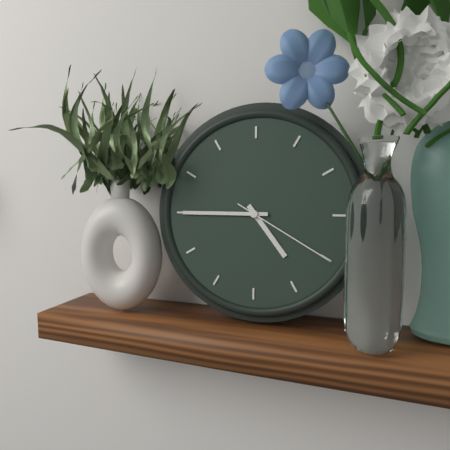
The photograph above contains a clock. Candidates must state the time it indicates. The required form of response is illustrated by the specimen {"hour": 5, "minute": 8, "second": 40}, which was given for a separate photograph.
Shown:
{"hour": 4, "minute": 45, "second": 20}
